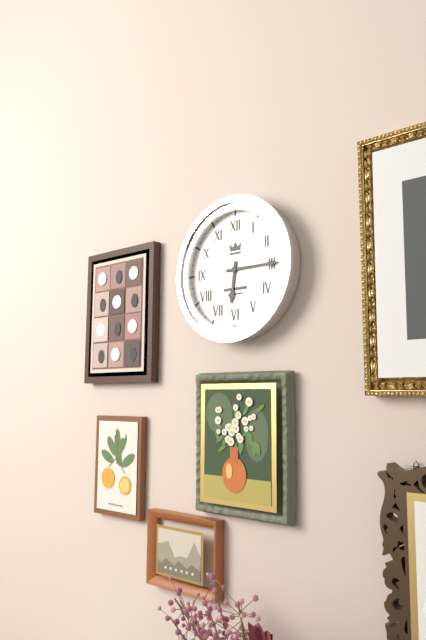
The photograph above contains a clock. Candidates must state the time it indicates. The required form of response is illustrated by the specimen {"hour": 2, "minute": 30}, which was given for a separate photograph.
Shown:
{"hour": 6, "minute": 15}
